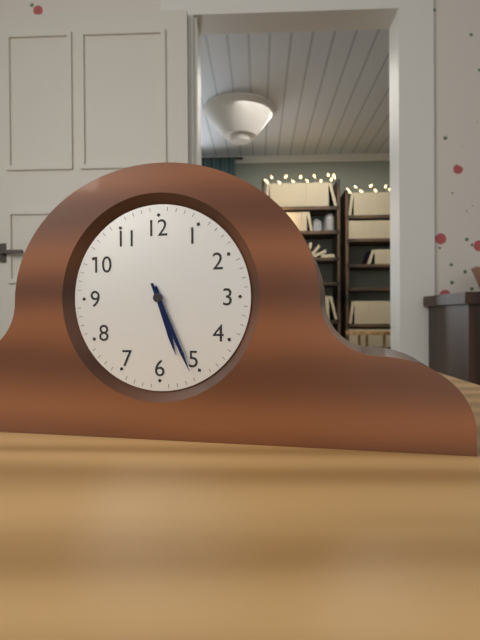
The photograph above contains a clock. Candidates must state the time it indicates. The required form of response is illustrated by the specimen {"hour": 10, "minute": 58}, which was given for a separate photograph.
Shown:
{"hour": 5, "minute": 26}
